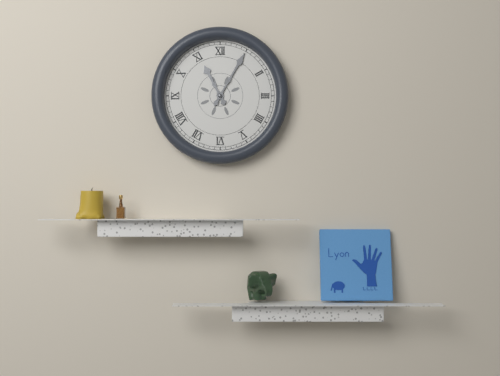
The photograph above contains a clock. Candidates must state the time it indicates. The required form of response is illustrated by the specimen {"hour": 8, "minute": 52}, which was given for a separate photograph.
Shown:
{"hour": 11, "minute": 5}
